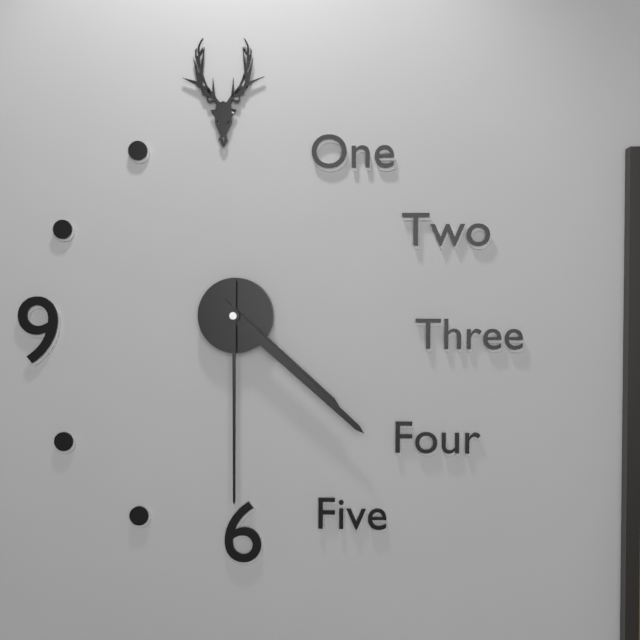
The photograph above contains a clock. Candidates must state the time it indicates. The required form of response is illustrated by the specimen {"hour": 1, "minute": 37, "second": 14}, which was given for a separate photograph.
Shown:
{"hour": 4, "minute": 22, "second": 30}
